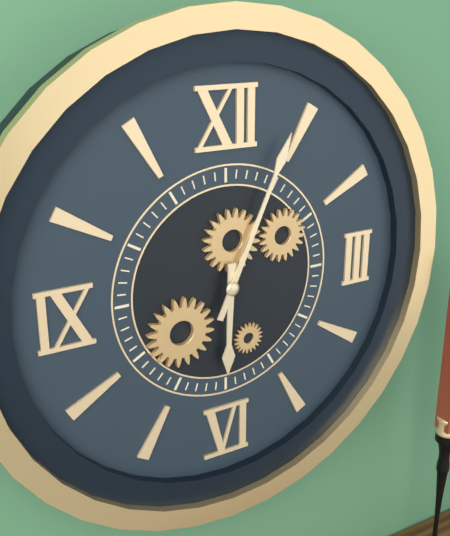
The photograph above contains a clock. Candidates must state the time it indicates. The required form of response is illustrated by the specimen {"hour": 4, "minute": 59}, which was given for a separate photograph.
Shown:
{"hour": 6, "minute": 4}
